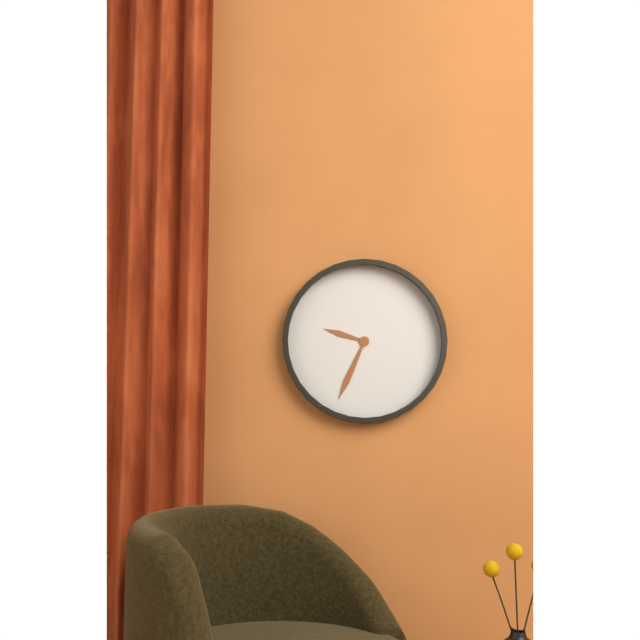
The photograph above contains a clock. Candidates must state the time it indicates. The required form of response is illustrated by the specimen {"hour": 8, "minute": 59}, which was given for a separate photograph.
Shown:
{"hour": 9, "minute": 34}
